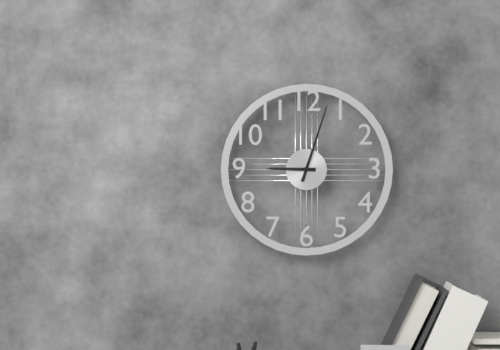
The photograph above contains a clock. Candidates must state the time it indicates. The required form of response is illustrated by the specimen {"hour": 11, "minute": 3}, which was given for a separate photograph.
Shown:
{"hour": 9, "minute": 3}
